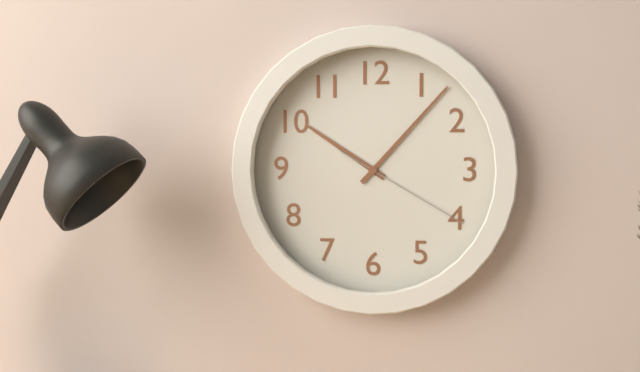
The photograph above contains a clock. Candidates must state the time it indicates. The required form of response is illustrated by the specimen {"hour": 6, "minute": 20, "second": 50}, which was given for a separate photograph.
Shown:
{"hour": 10, "minute": 7, "second": 20}
